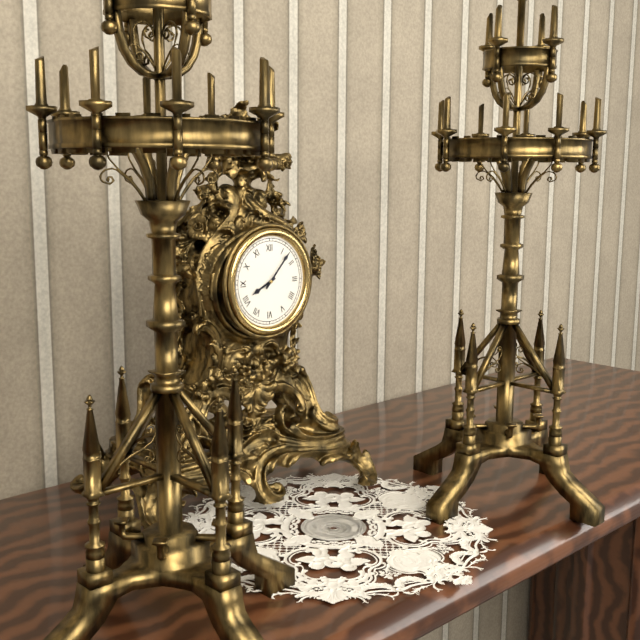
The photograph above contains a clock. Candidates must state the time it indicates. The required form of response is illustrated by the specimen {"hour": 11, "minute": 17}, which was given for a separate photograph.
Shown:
{"hour": 8, "minute": 7}
